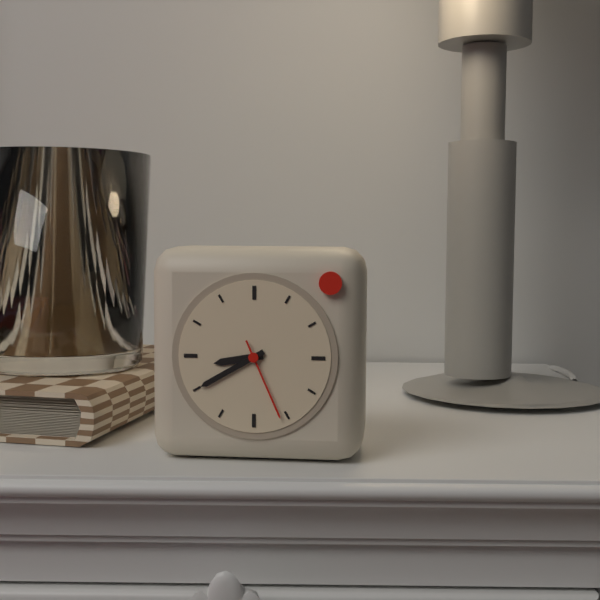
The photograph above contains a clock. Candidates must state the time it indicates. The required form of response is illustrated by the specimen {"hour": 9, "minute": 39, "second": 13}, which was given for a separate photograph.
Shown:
{"hour": 8, "minute": 40, "second": 26}
